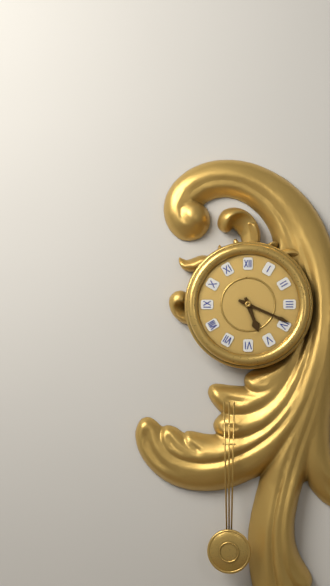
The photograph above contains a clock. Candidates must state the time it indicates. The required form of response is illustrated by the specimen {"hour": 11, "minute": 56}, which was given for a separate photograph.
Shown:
{"hour": 5, "minute": 19}
